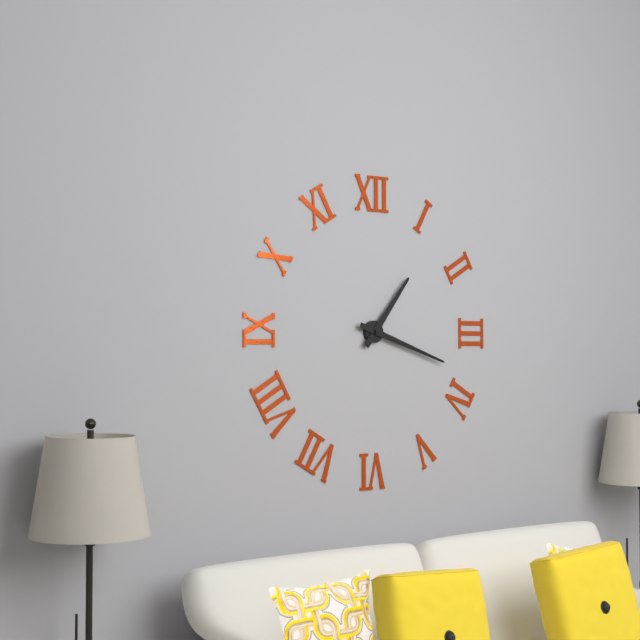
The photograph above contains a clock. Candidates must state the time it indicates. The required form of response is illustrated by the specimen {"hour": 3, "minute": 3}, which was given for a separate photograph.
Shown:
{"hour": 1, "minute": 18}
